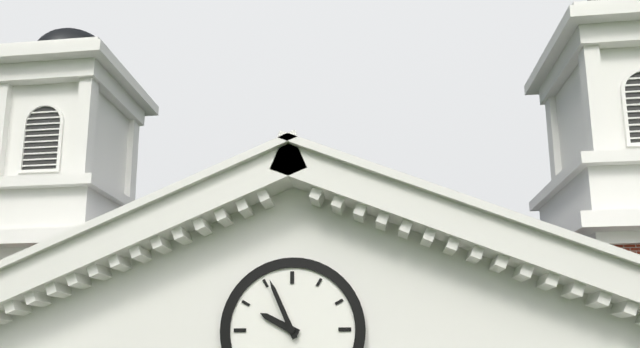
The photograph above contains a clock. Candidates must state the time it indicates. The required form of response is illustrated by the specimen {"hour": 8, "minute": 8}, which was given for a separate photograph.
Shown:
{"hour": 9, "minute": 56}
